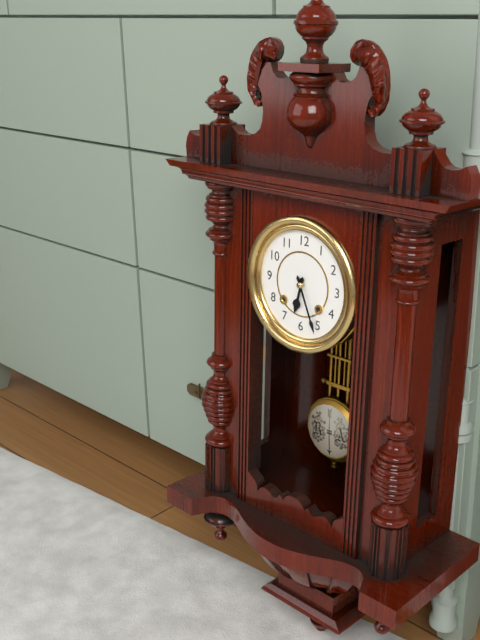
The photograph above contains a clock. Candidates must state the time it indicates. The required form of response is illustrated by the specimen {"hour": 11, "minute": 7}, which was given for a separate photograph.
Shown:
{"hour": 6, "minute": 26}
